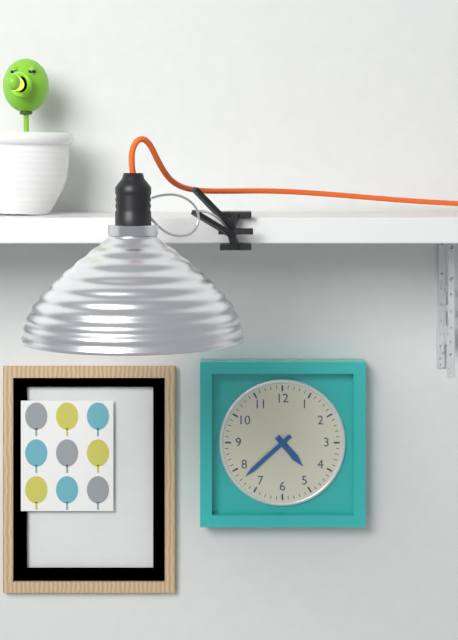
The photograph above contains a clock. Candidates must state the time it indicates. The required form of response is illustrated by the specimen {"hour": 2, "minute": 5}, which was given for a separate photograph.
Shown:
{"hour": 4, "minute": 38}
